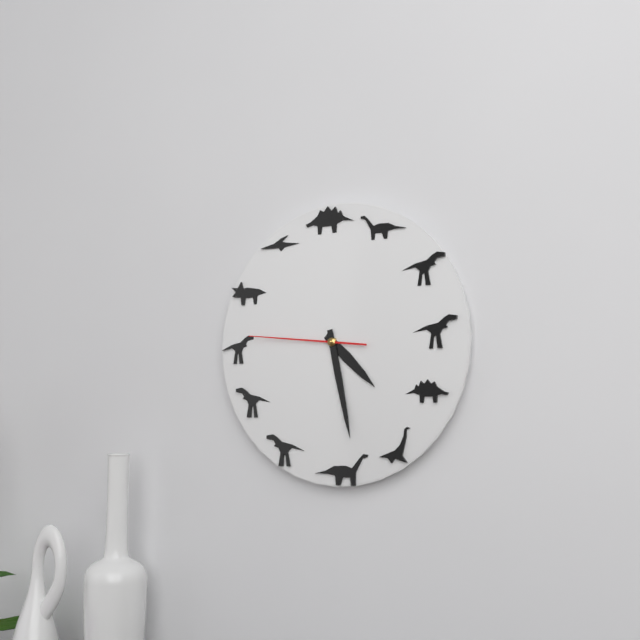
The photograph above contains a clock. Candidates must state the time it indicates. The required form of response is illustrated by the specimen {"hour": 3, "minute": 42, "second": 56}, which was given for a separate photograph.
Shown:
{"hour": 4, "minute": 28, "second": 46}
